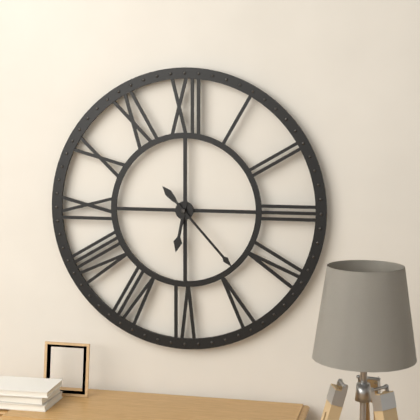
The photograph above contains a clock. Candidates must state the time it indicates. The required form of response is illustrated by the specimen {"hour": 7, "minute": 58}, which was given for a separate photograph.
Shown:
{"hour": 6, "minute": 23}
